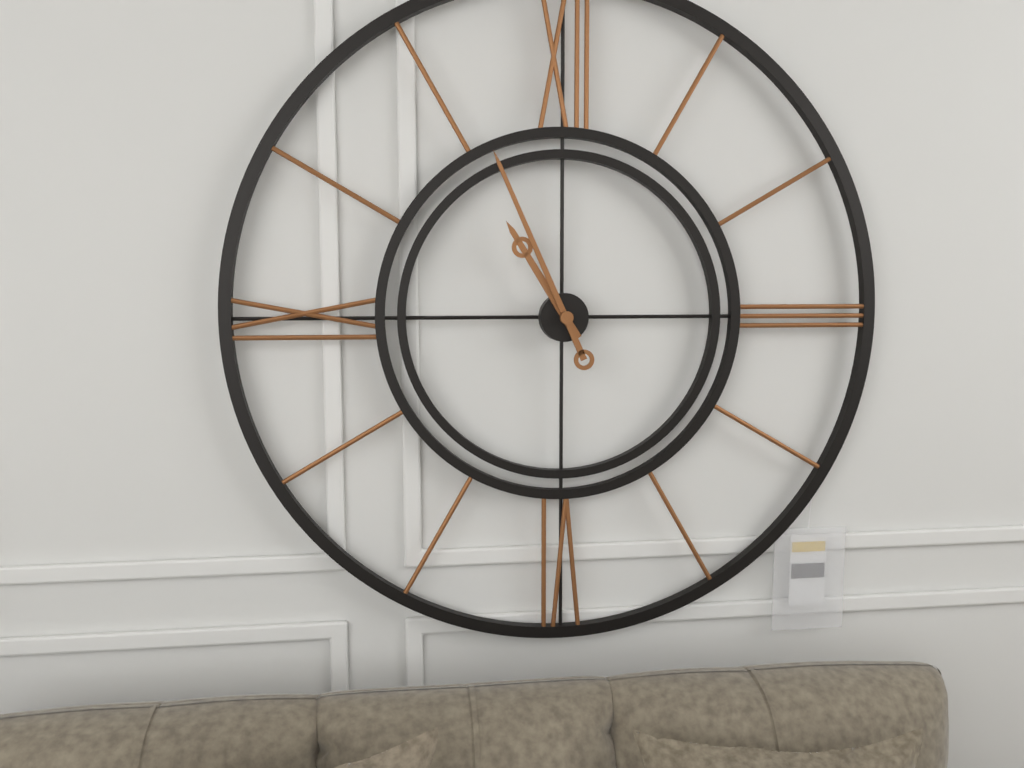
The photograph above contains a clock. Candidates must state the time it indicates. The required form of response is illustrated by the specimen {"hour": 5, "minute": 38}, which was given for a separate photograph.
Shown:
{"hour": 10, "minute": 56}
